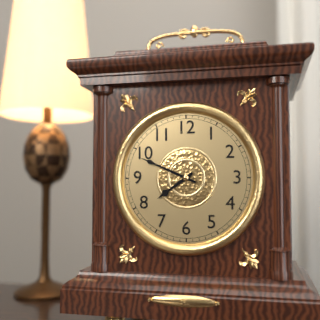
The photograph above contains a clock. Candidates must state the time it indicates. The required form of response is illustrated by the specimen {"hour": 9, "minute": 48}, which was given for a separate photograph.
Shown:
{"hour": 7, "minute": 49}
